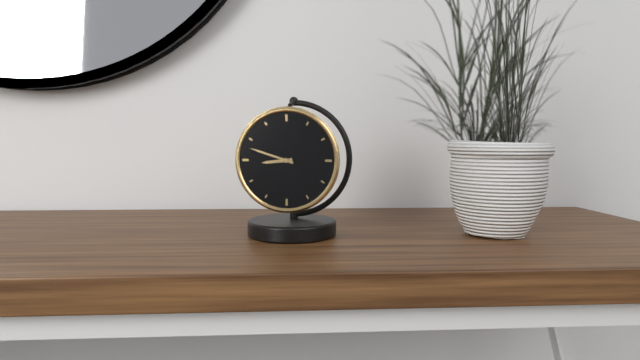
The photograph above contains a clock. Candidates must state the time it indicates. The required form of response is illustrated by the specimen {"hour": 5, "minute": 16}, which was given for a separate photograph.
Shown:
{"hour": 8, "minute": 48}
